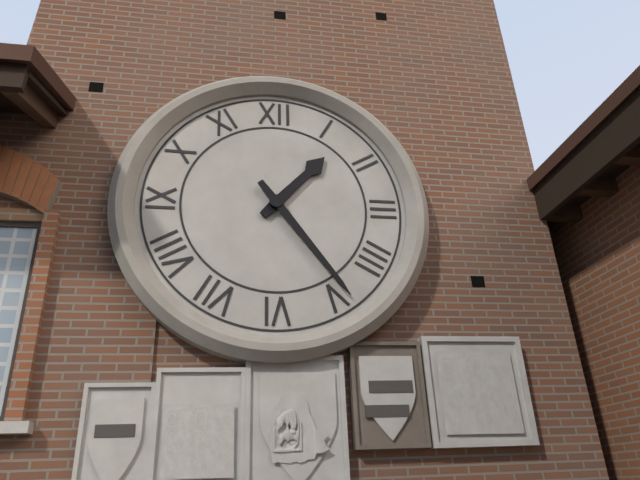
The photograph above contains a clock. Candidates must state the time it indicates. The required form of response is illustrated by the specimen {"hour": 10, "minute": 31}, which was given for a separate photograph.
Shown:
{"hour": 1, "minute": 24}
